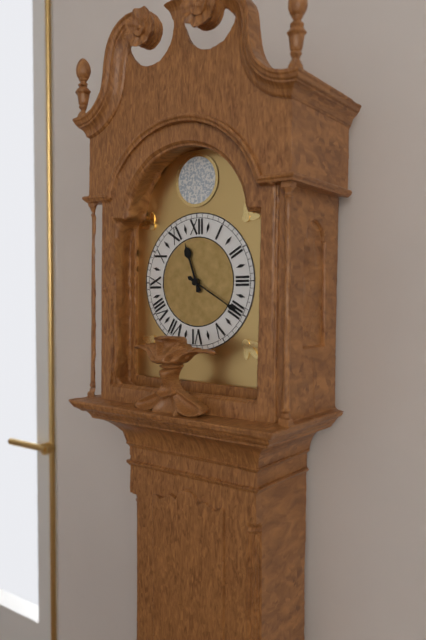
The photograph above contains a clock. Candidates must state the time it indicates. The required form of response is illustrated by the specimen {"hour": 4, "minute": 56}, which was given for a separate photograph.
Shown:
{"hour": 11, "minute": 20}
